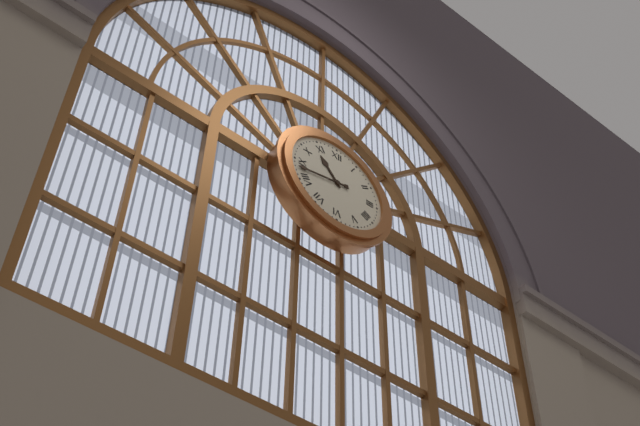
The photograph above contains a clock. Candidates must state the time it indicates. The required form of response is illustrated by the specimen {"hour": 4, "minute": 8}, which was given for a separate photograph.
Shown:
{"hour": 10, "minute": 43}
